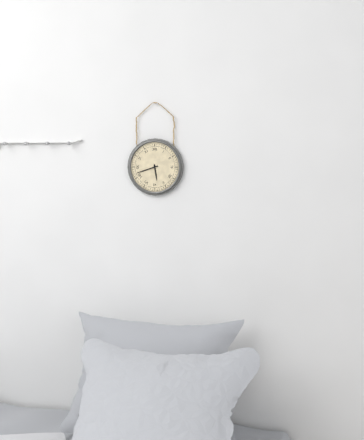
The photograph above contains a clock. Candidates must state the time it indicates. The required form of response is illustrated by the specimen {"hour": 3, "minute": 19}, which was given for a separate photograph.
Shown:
{"hour": 5, "minute": 42}
